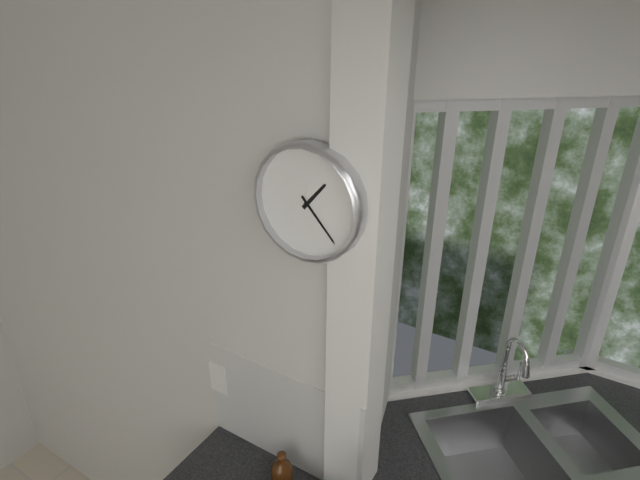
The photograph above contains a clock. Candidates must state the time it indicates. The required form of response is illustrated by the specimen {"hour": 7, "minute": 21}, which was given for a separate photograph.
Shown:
{"hour": 1, "minute": 23}
